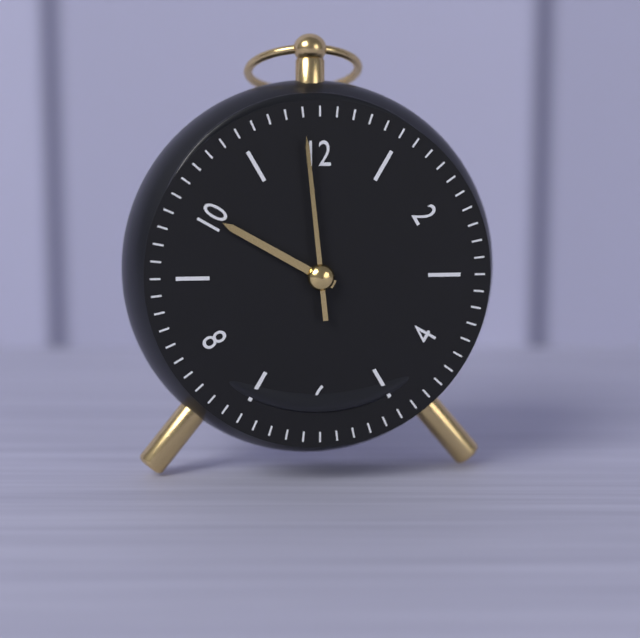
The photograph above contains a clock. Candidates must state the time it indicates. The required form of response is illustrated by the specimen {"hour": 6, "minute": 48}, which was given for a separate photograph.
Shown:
{"hour": 9, "minute": 59}
